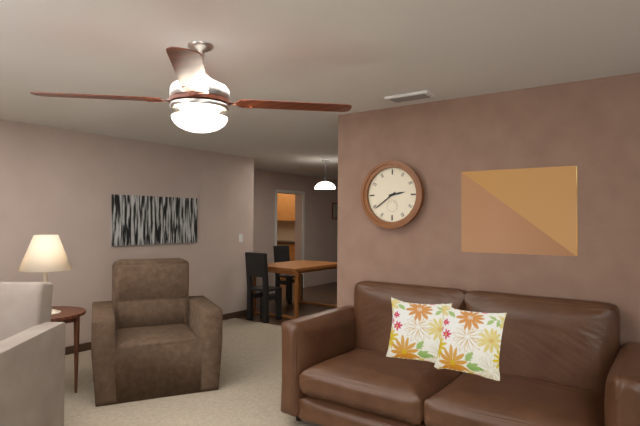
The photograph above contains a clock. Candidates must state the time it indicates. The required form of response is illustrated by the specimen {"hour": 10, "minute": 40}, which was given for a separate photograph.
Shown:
{"hour": 2, "minute": 39}
